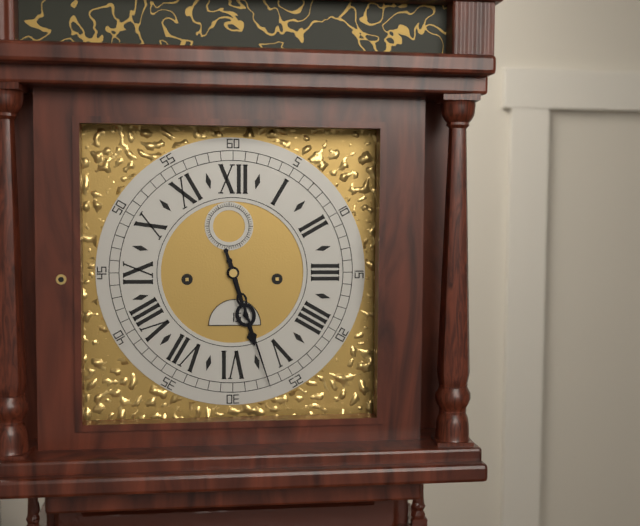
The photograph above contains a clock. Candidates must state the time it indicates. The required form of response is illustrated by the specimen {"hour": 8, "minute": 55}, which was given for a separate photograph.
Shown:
{"hour": 5, "minute": 27}
